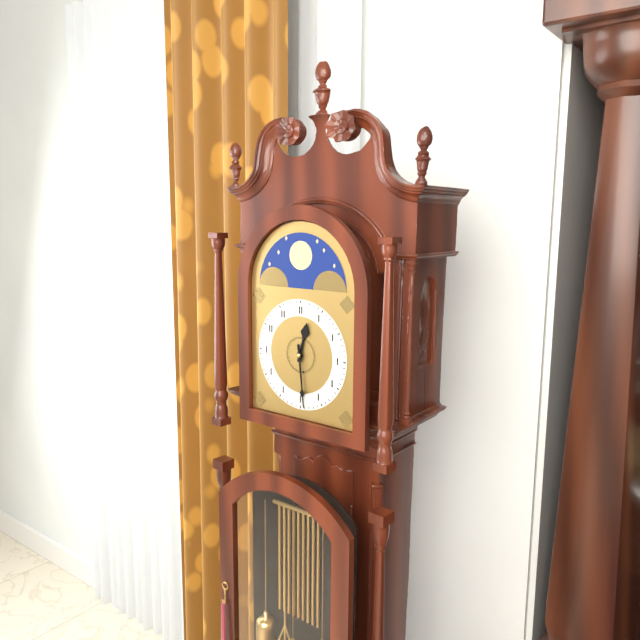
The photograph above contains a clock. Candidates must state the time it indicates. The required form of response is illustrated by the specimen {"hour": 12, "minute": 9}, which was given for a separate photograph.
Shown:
{"hour": 12, "minute": 29}
